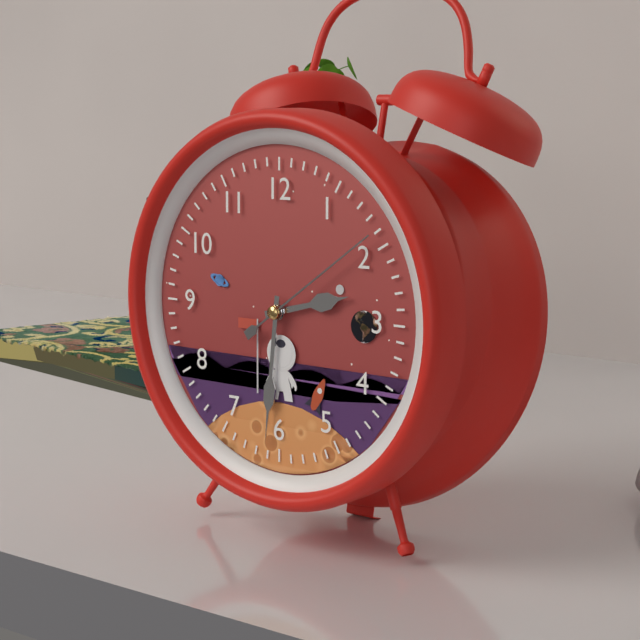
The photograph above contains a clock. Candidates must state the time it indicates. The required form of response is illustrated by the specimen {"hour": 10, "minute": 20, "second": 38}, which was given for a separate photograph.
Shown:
{"hour": 2, "minute": 31, "second": 9}
